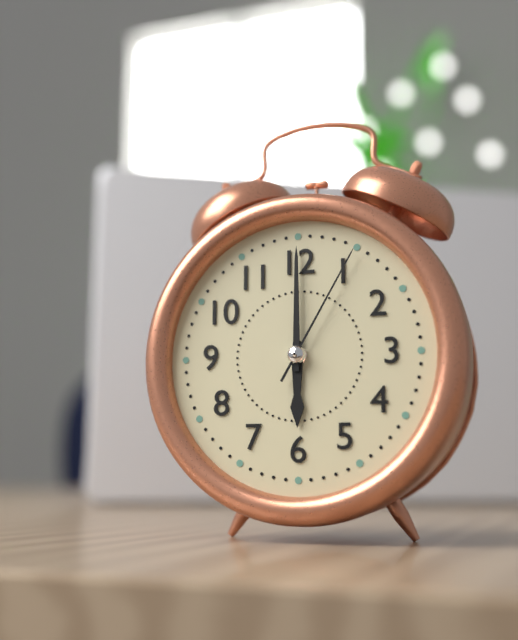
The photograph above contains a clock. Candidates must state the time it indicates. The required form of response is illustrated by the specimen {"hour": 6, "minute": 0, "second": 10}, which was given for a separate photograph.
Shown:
{"hour": 6, "minute": 0, "second": 5}
